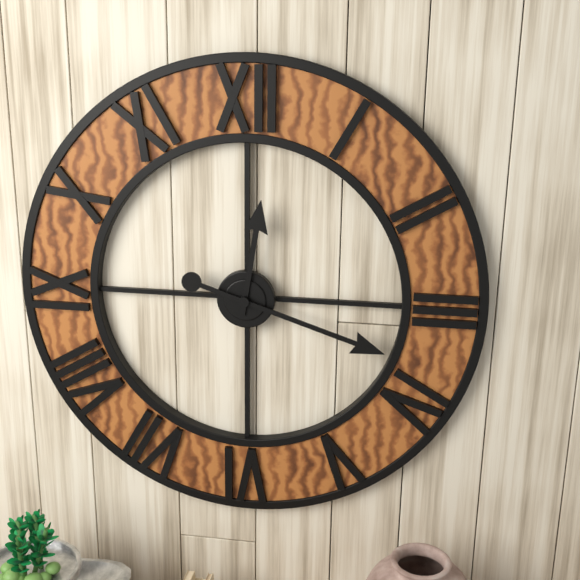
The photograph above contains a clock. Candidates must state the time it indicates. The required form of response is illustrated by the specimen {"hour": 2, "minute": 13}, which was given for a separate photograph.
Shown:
{"hour": 12, "minute": 18}
